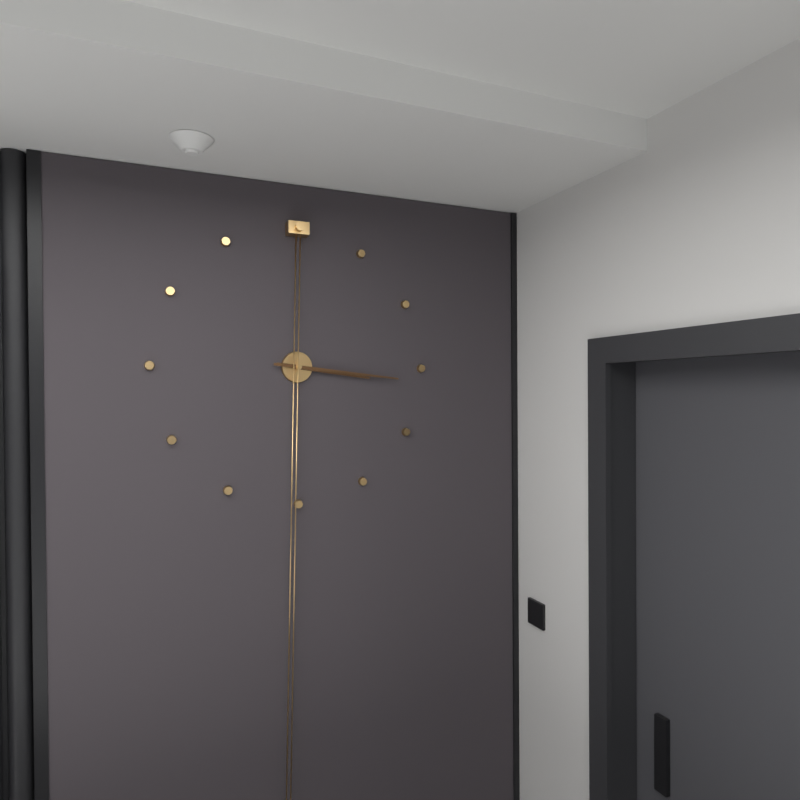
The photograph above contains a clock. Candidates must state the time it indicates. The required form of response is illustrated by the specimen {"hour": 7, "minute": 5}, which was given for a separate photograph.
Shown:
{"hour": 3, "minute": 16}
